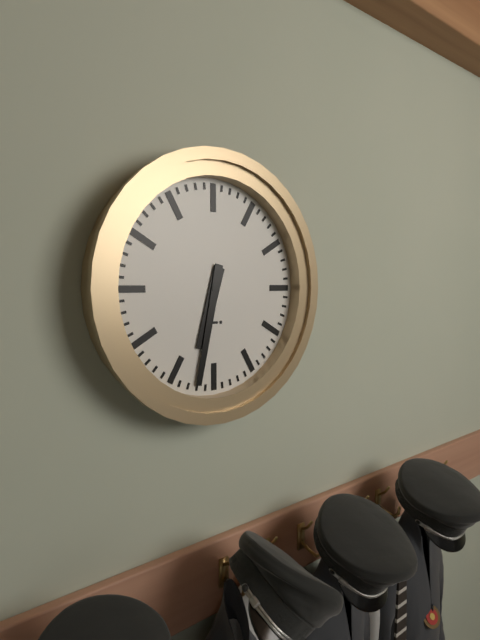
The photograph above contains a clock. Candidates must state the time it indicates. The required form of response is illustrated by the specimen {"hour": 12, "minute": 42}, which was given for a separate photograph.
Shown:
{"hour": 6, "minute": 32}
